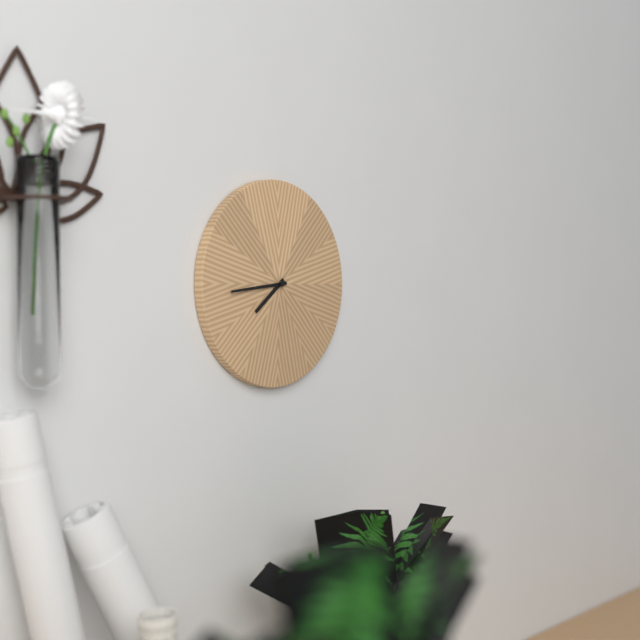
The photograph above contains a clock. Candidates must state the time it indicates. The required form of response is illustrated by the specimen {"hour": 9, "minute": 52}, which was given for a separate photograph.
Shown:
{"hour": 7, "minute": 44}
